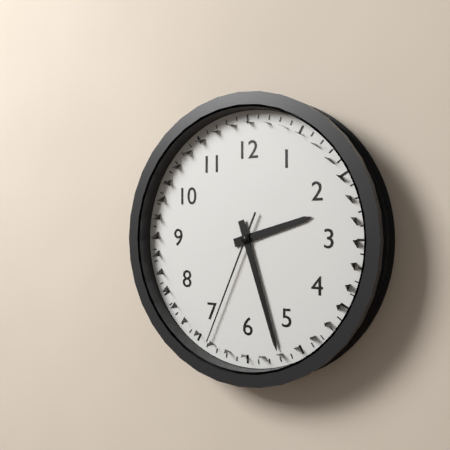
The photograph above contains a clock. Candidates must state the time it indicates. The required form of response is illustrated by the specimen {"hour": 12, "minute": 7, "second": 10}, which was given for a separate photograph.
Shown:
{"hour": 2, "minute": 27, "second": 34}
